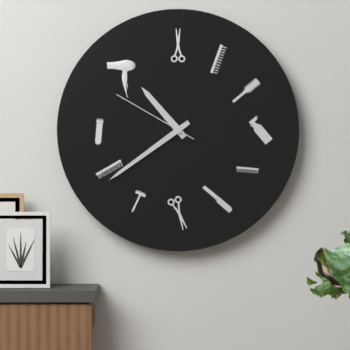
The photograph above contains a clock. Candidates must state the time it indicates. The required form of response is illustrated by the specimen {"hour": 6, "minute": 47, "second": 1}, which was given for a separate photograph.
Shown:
{"hour": 10, "minute": 39, "second": 50}
